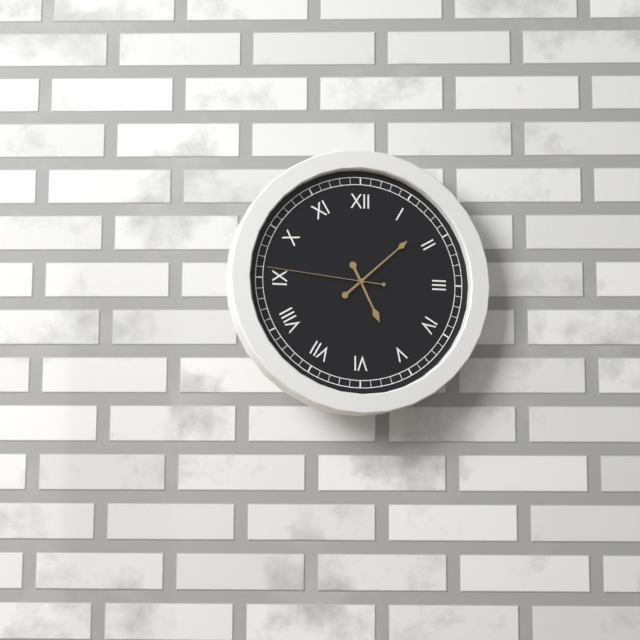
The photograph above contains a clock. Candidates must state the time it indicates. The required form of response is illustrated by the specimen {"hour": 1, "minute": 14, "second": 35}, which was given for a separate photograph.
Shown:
{"hour": 5, "minute": 8, "second": 46}
